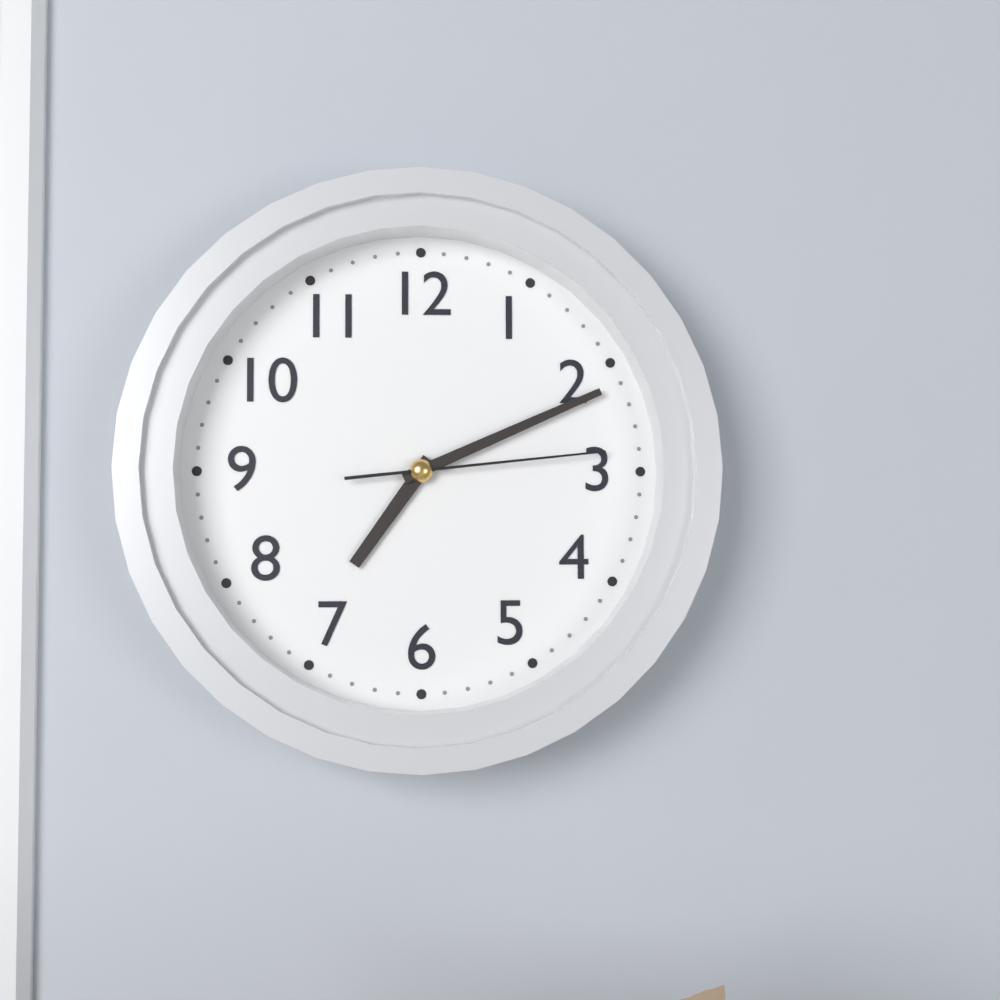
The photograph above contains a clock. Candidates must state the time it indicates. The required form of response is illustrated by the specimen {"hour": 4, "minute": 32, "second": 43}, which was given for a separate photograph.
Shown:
{"hour": 7, "minute": 11, "second": 14}
